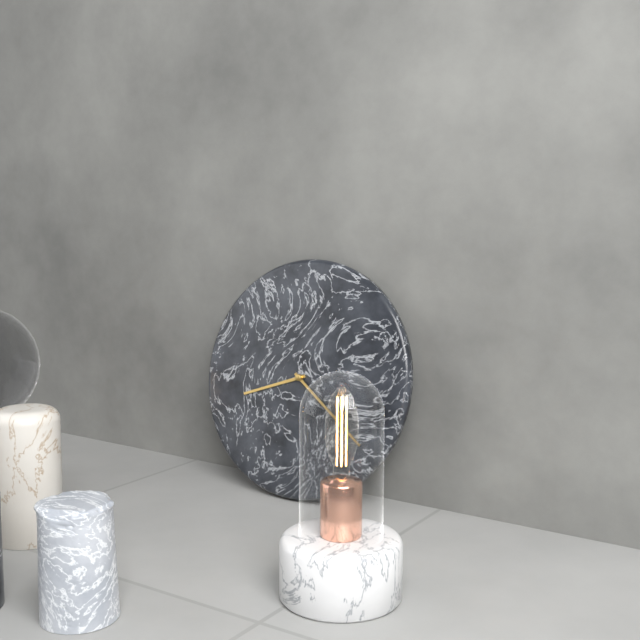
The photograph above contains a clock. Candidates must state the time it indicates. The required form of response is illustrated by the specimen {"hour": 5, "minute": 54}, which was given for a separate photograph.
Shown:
{"hour": 8, "minute": 21}
